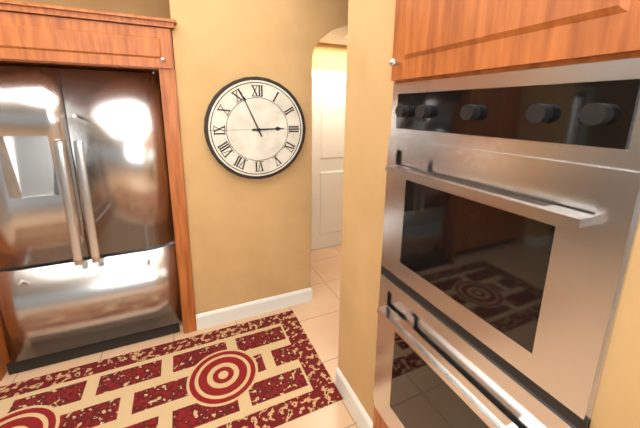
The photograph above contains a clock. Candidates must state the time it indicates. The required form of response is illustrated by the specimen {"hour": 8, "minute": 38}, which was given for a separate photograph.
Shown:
{"hour": 2, "minute": 56}
